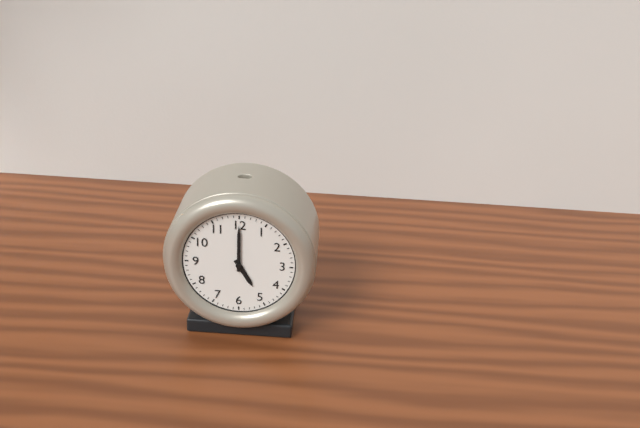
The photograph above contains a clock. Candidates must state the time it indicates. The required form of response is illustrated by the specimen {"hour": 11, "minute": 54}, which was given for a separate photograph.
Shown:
{"hour": 5, "minute": 0}
